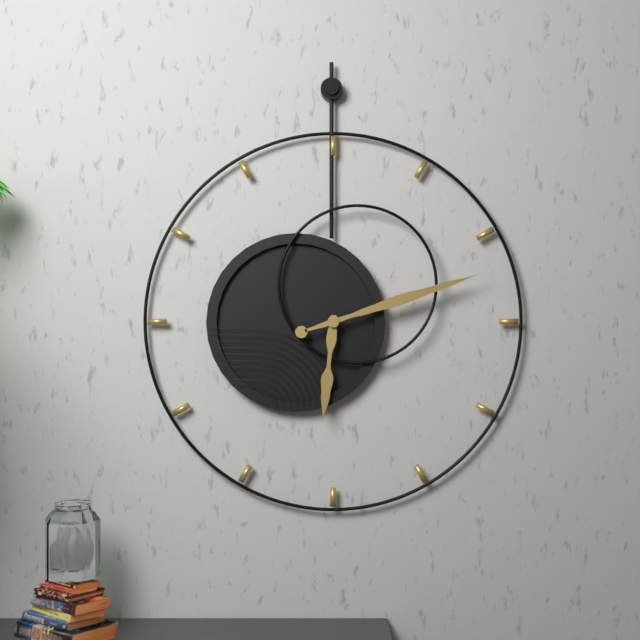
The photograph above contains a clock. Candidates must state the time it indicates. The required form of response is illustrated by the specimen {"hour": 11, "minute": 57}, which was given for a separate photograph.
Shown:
{"hour": 6, "minute": 12}
